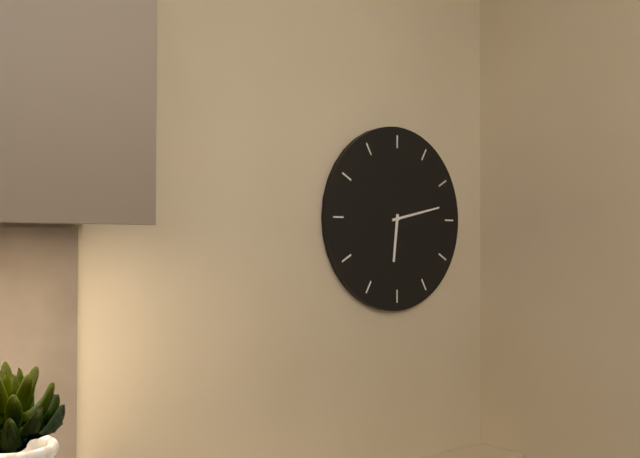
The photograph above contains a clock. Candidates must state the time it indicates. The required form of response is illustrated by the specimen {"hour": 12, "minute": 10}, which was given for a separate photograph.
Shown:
{"hour": 6, "minute": 13}
